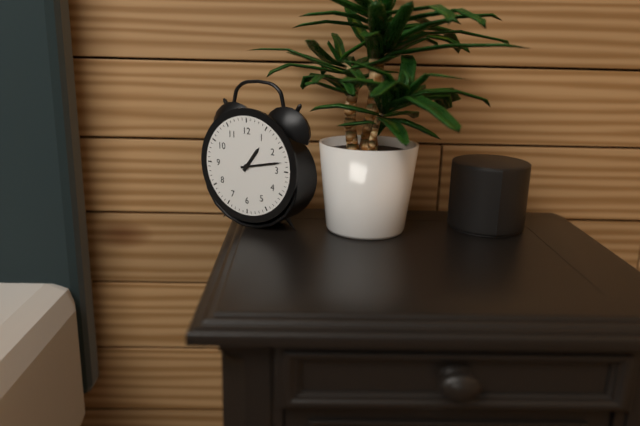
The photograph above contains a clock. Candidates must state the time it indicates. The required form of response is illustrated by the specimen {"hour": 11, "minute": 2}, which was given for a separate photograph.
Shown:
{"hour": 1, "minute": 13}
